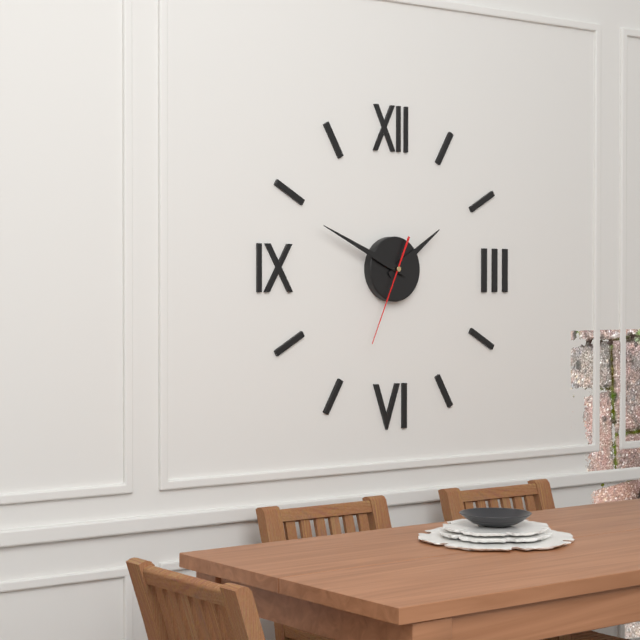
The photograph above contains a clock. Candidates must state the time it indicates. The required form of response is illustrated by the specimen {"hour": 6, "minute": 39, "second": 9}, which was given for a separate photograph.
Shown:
{"hour": 1, "minute": 49, "second": 34}
